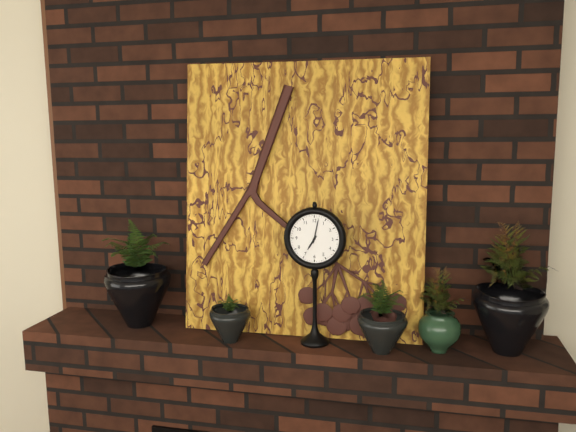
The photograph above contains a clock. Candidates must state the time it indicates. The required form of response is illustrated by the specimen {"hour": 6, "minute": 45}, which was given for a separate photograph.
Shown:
{"hour": 7, "minute": 2}
